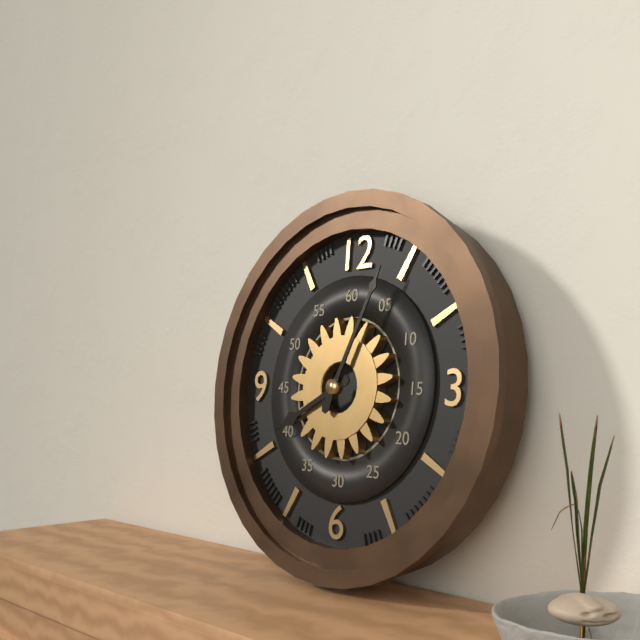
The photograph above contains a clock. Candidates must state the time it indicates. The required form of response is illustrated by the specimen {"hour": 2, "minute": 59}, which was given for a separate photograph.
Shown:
{"hour": 8, "minute": 4}
